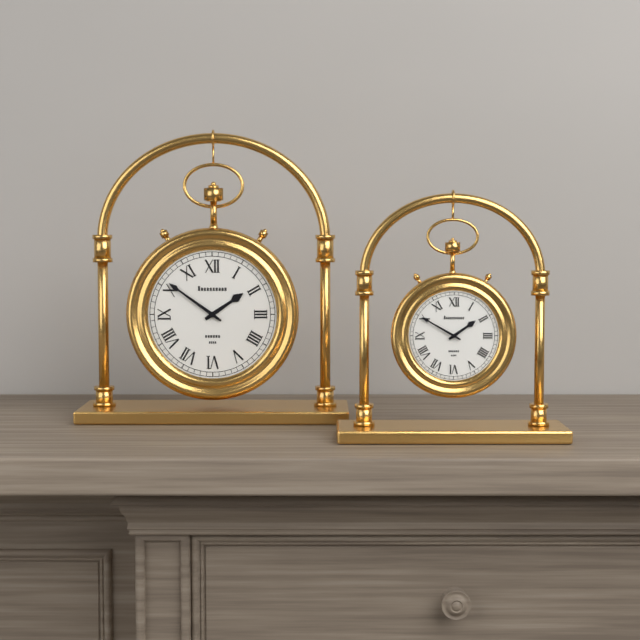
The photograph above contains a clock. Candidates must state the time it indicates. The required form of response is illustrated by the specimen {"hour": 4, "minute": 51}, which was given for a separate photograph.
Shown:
{"hour": 1, "minute": 51}
